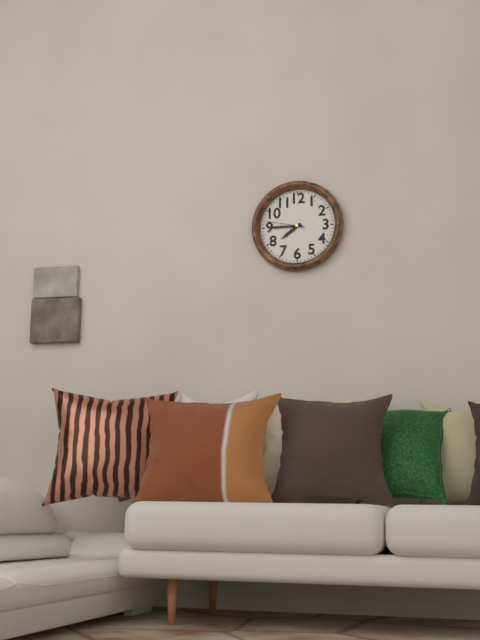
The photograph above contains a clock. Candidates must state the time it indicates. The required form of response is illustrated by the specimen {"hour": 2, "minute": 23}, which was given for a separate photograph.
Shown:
{"hour": 7, "minute": 45}
